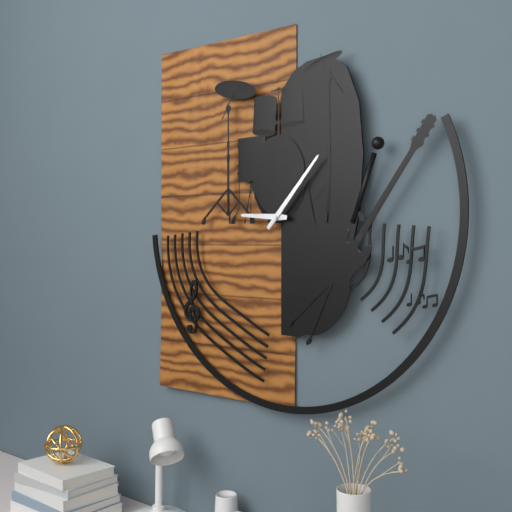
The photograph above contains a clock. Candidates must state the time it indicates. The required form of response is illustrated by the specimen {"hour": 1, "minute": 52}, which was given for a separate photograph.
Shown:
{"hour": 9, "minute": 7}
